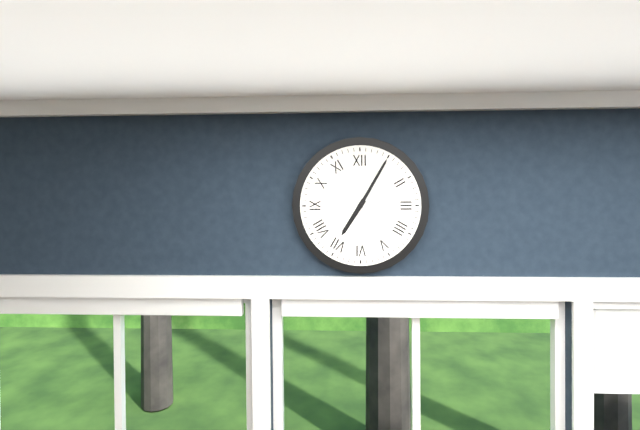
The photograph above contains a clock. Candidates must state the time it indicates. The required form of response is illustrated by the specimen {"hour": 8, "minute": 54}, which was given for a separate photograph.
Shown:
{"hour": 7, "minute": 5}
